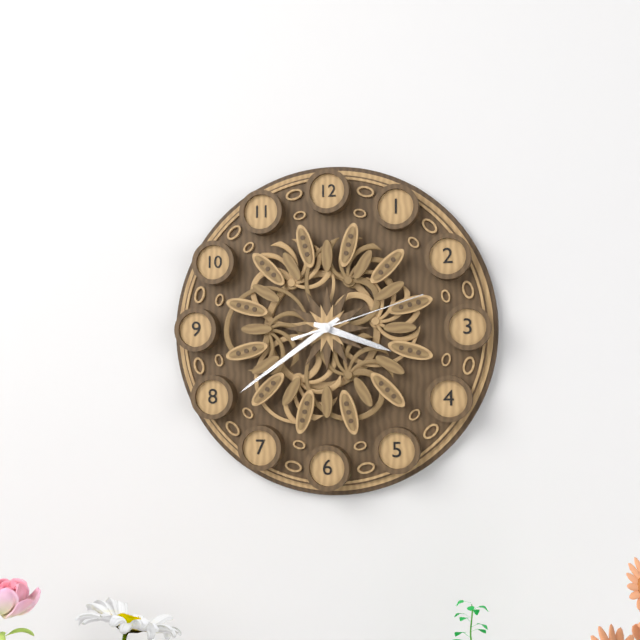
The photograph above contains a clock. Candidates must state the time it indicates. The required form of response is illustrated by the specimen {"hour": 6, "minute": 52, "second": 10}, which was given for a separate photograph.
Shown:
{"hour": 3, "minute": 39, "second": 12}
